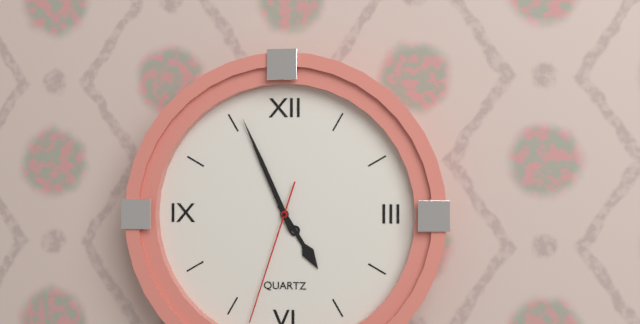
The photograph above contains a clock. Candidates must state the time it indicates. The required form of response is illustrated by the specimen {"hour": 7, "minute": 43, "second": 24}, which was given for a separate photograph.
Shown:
{"hour": 4, "minute": 56, "second": 33}
